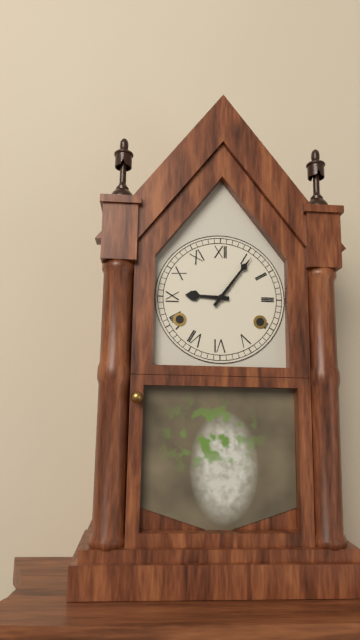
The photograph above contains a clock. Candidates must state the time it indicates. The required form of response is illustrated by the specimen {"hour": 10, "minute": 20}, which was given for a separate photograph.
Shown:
{"hour": 9, "minute": 6}
